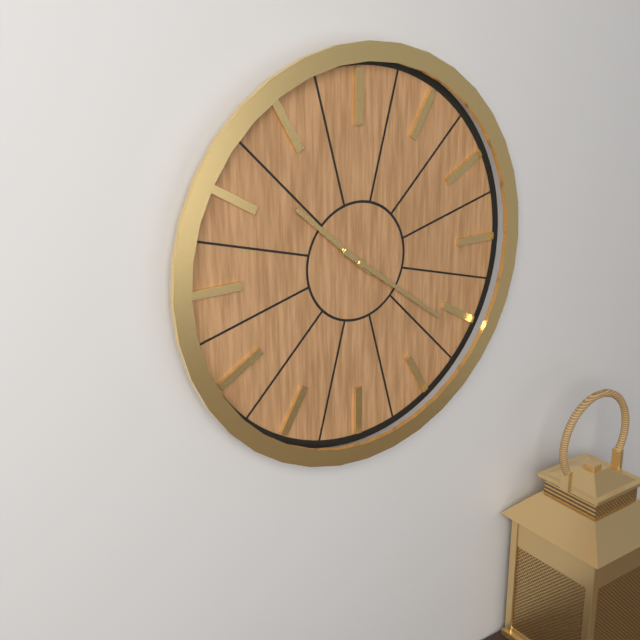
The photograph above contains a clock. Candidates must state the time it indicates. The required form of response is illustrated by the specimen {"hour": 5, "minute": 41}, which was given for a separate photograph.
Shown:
{"hour": 10, "minute": 21}
